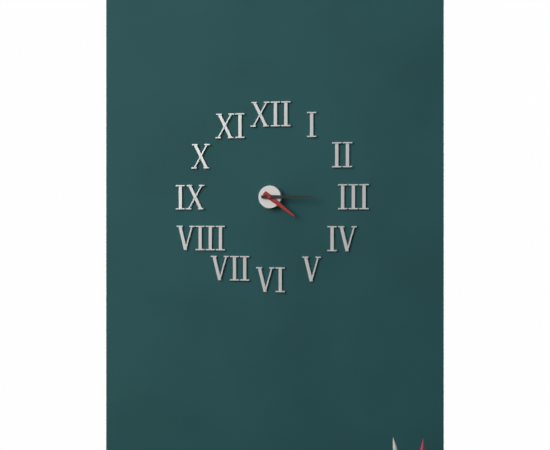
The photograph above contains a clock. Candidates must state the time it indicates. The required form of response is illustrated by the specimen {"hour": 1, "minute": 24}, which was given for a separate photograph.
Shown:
{"hour": 4, "minute": 15}
